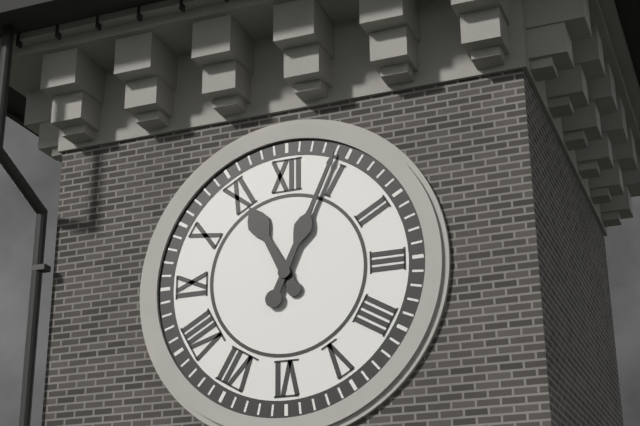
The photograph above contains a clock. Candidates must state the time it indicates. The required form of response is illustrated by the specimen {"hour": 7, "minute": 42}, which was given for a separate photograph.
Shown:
{"hour": 11, "minute": 4}
